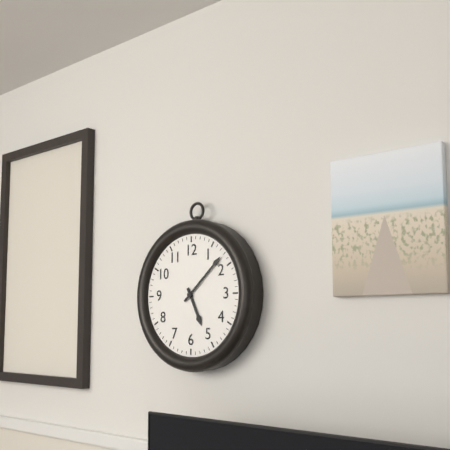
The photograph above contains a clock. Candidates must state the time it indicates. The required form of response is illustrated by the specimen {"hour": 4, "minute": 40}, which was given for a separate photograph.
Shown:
{"hour": 5, "minute": 8}
